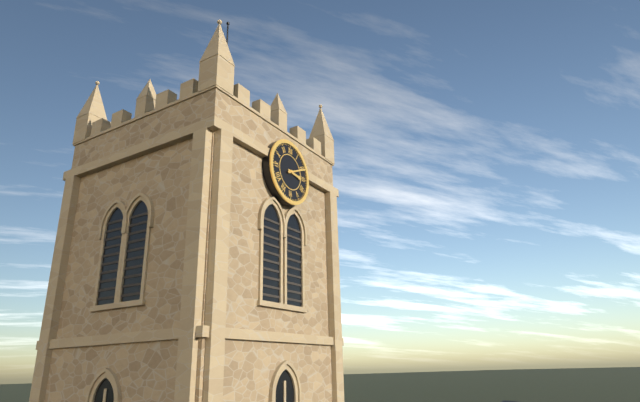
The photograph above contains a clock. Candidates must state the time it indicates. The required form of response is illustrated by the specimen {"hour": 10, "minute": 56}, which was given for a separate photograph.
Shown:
{"hour": 3, "minute": 11}
